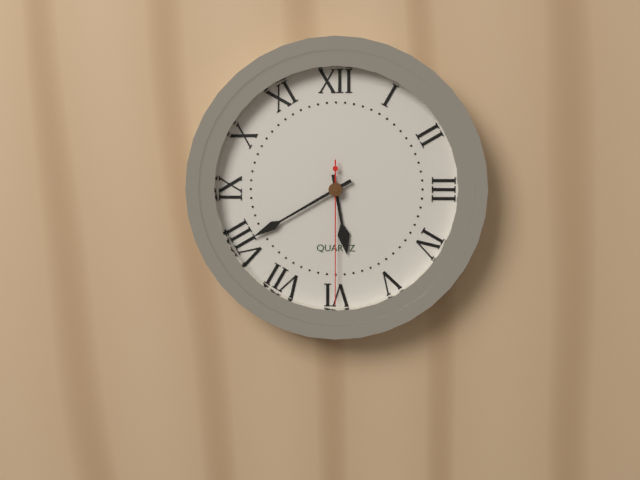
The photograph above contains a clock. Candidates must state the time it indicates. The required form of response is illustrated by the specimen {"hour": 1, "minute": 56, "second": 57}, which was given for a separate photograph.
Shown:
{"hour": 5, "minute": 40, "second": 30}
